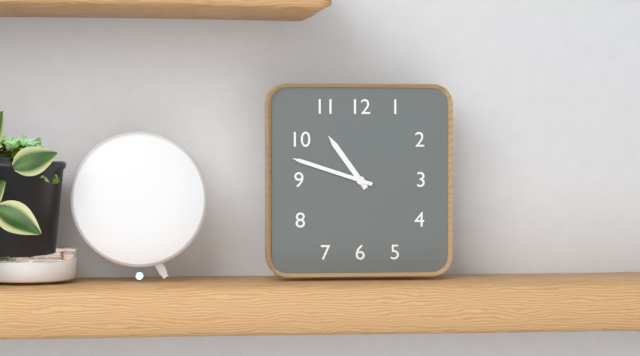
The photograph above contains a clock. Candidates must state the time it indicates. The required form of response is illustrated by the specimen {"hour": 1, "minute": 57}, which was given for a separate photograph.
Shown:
{"hour": 10, "minute": 48}
